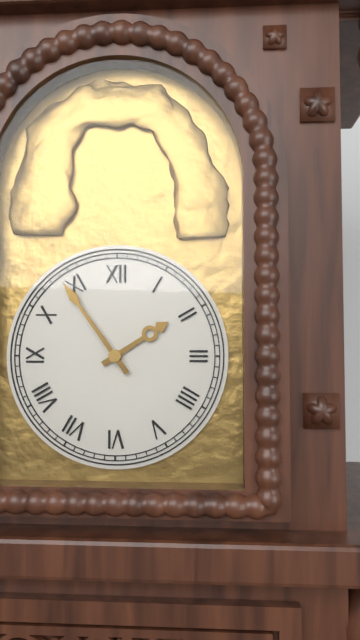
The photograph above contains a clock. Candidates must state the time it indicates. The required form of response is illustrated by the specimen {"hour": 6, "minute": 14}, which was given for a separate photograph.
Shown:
{"hour": 1, "minute": 54}
